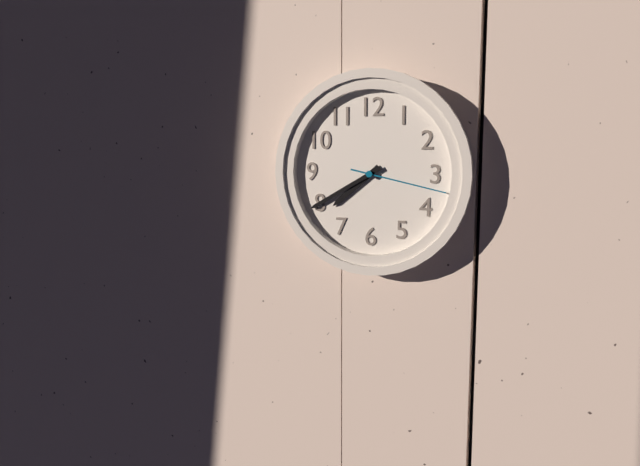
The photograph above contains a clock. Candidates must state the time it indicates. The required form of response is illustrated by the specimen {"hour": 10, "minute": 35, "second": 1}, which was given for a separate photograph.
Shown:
{"hour": 7, "minute": 40, "second": 17}
